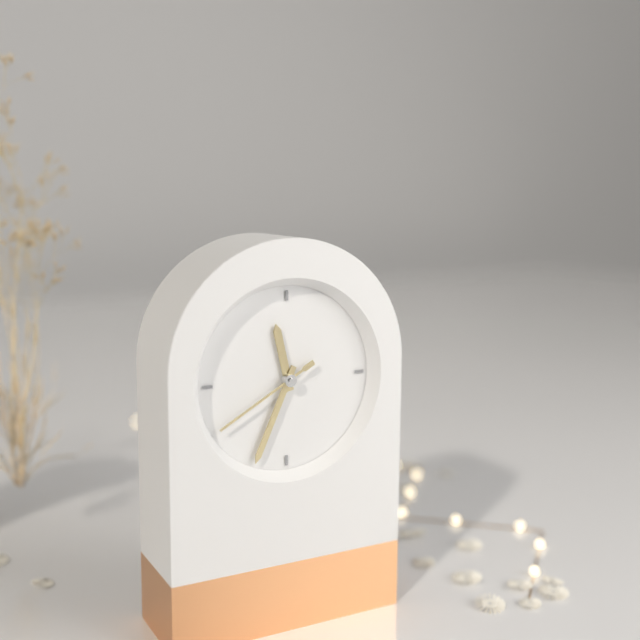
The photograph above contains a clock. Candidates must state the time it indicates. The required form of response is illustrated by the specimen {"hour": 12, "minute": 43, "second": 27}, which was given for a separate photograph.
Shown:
{"hour": 11, "minute": 34, "second": 40}
